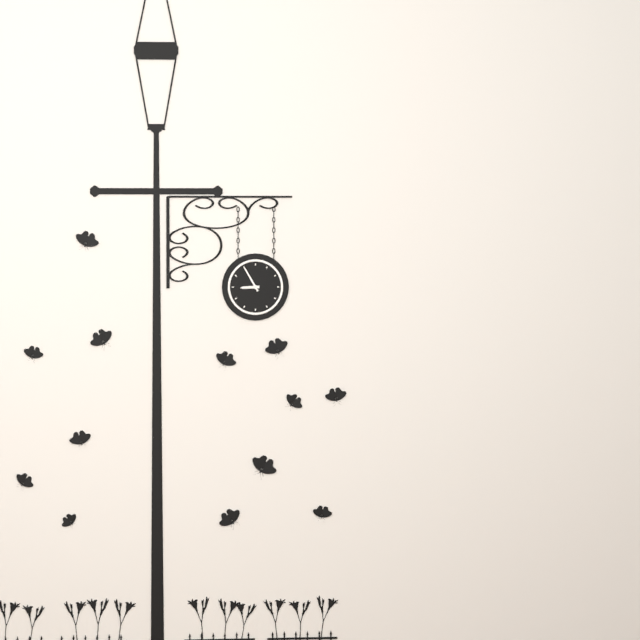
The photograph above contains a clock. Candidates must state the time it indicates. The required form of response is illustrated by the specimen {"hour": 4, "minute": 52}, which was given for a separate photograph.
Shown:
{"hour": 8, "minute": 55}
